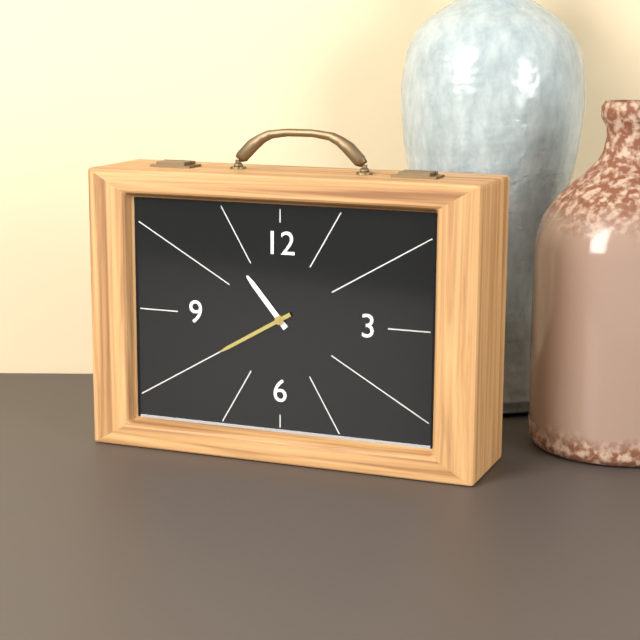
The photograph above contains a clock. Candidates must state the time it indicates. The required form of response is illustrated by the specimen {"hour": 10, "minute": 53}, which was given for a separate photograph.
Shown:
{"hour": 10, "minute": 40}
